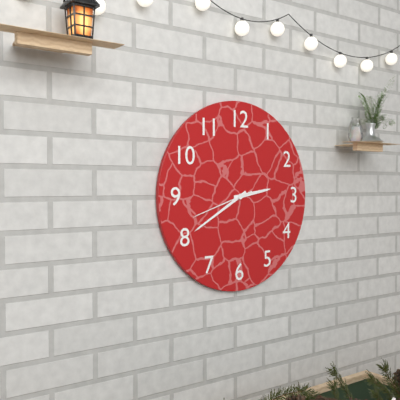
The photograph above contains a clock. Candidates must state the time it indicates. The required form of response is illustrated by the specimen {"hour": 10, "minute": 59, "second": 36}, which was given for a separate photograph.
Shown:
{"hour": 2, "minute": 40, "second": 42}
